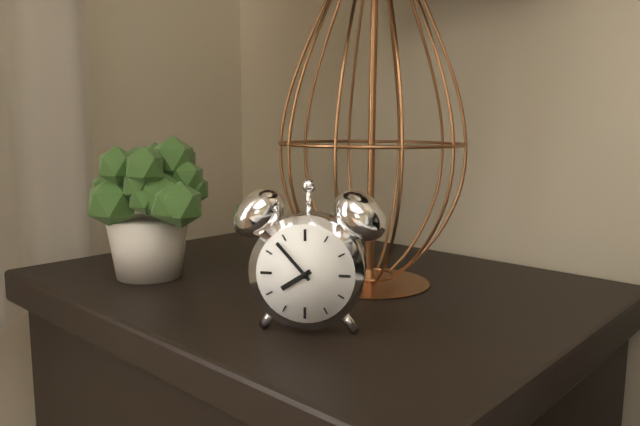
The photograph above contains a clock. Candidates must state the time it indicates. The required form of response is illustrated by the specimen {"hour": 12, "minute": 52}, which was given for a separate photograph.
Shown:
{"hour": 7, "minute": 53}
